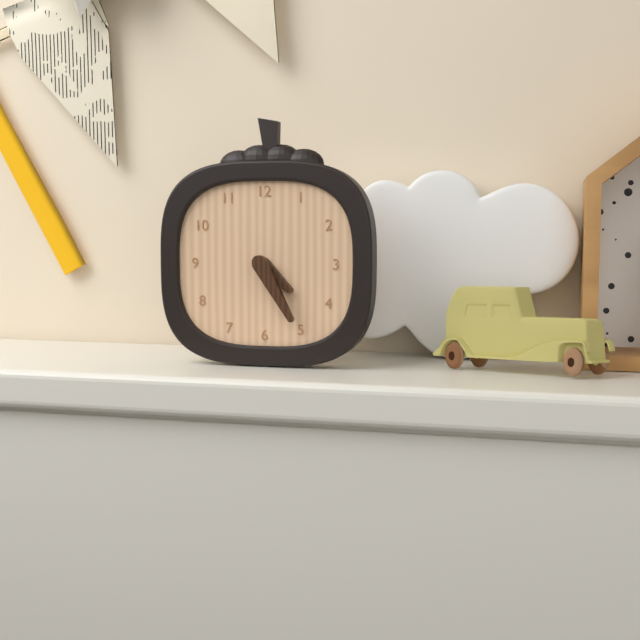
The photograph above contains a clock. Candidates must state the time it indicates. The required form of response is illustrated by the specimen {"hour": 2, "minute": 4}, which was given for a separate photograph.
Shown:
{"hour": 4, "minute": 25}
